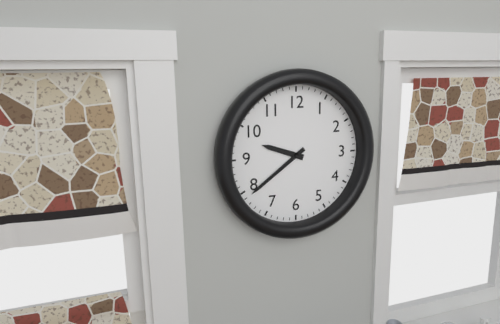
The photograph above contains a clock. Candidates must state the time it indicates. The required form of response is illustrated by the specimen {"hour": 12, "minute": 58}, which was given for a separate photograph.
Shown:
{"hour": 9, "minute": 39}
